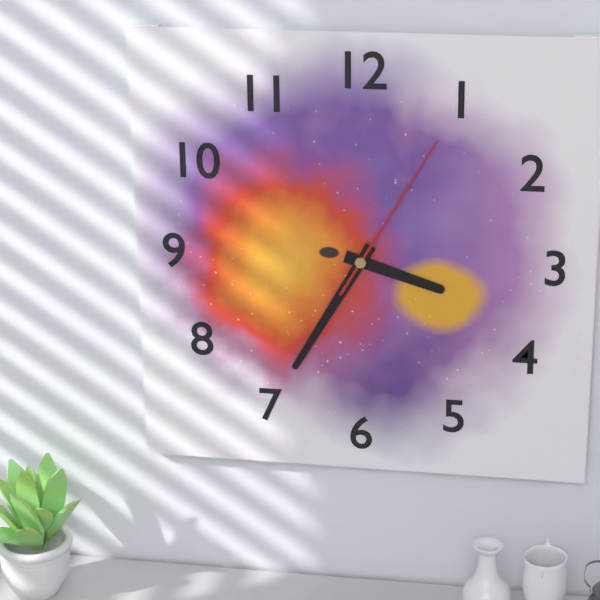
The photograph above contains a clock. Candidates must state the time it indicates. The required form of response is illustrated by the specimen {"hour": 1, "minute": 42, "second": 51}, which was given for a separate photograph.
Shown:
{"hour": 3, "minute": 35, "second": 5}
